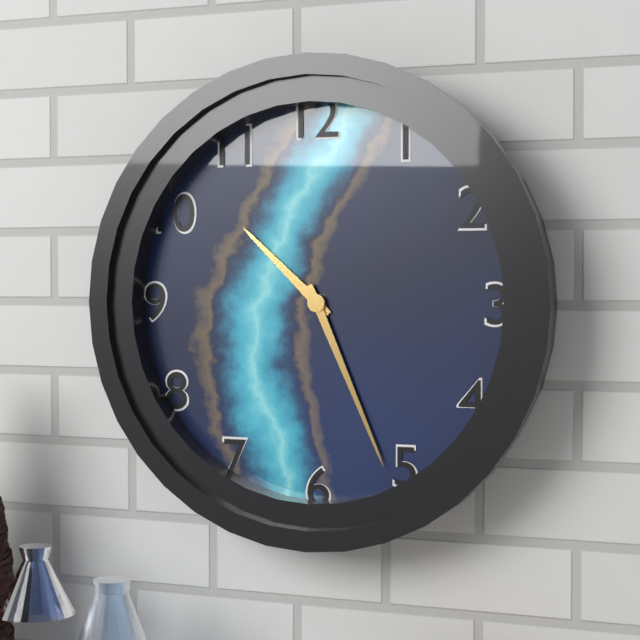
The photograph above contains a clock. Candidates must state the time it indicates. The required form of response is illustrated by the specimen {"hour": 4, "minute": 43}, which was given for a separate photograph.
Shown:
{"hour": 10, "minute": 26}
